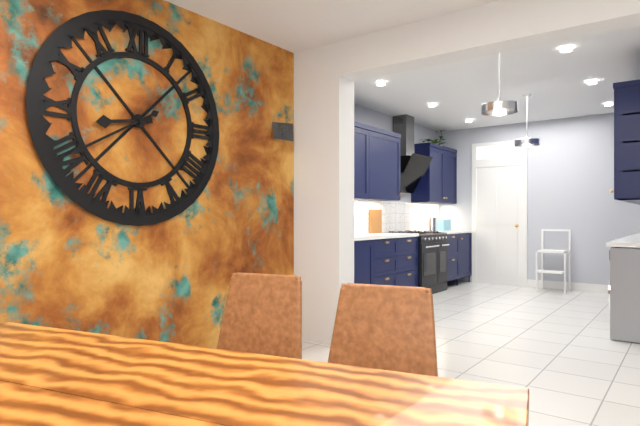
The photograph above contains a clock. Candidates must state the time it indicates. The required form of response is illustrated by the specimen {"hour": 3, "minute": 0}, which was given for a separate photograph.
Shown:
{"hour": 8, "minute": 40}
